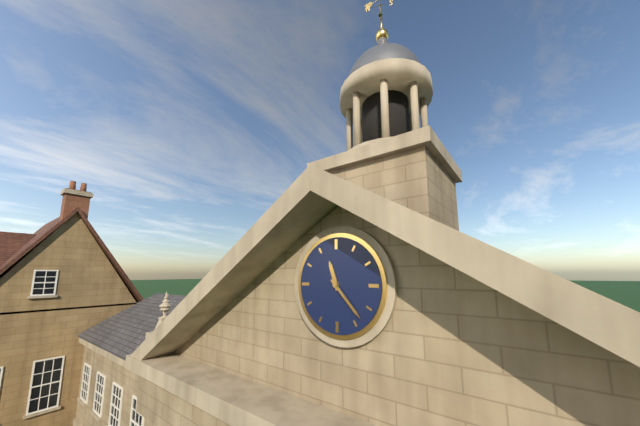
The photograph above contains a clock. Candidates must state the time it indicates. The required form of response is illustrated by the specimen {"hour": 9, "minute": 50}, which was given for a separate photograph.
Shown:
{"hour": 11, "minute": 23}
